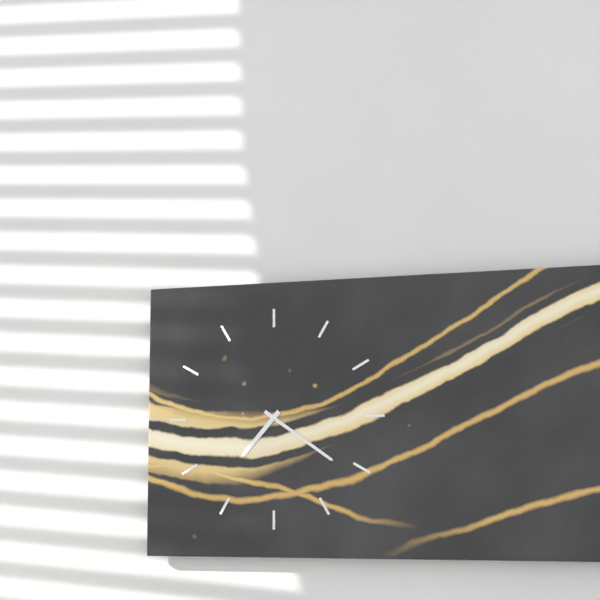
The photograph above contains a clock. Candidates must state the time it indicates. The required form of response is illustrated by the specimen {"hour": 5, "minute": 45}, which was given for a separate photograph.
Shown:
{"hour": 7, "minute": 21}
